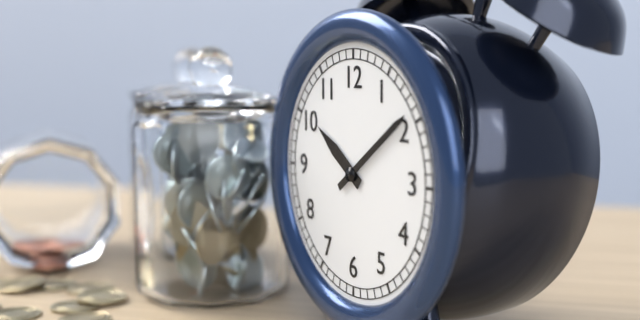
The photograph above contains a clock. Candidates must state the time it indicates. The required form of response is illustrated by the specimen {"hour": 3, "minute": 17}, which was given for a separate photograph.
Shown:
{"hour": 10, "minute": 9}
